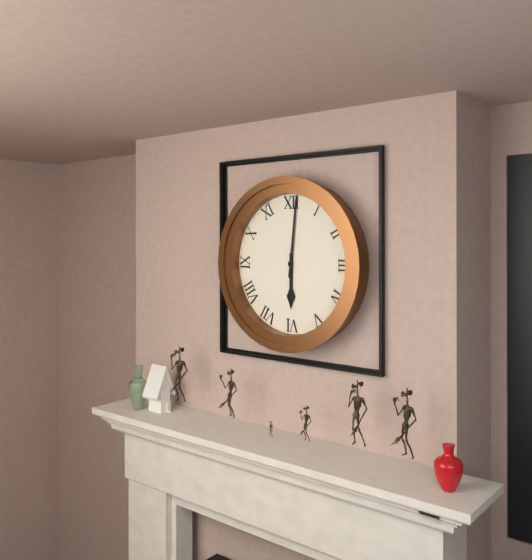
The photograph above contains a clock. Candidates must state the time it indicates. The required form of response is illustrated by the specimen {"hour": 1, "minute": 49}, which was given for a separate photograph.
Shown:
{"hour": 6, "minute": 1}
